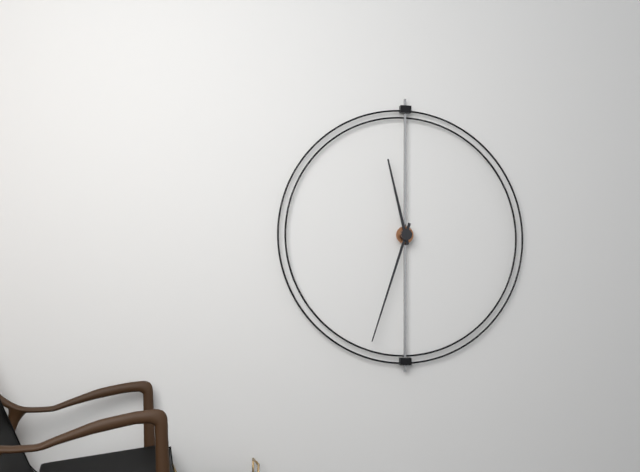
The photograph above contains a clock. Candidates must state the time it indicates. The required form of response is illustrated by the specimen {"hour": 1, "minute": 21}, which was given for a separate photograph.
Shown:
{"hour": 11, "minute": 33}
